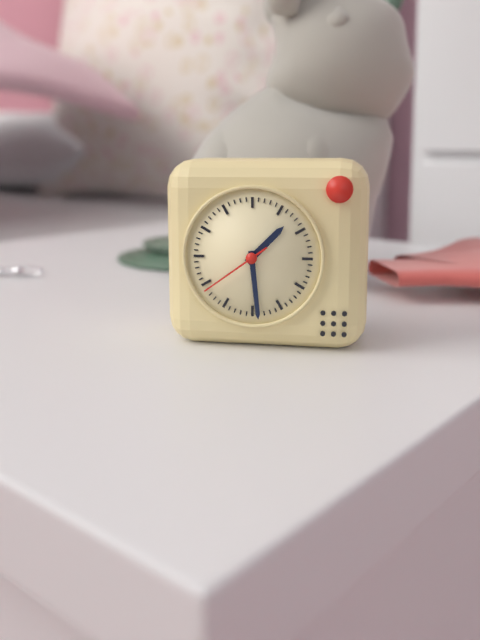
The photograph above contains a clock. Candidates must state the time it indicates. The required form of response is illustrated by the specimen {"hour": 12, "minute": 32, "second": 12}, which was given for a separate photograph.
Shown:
{"hour": 1, "minute": 29, "second": 39}
